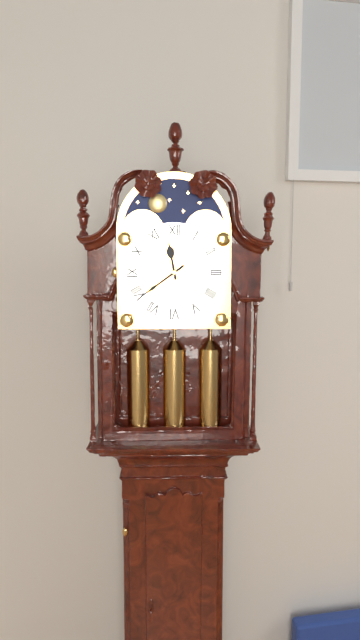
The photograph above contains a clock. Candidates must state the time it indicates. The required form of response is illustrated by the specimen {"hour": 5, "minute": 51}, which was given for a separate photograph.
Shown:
{"hour": 11, "minute": 39}
